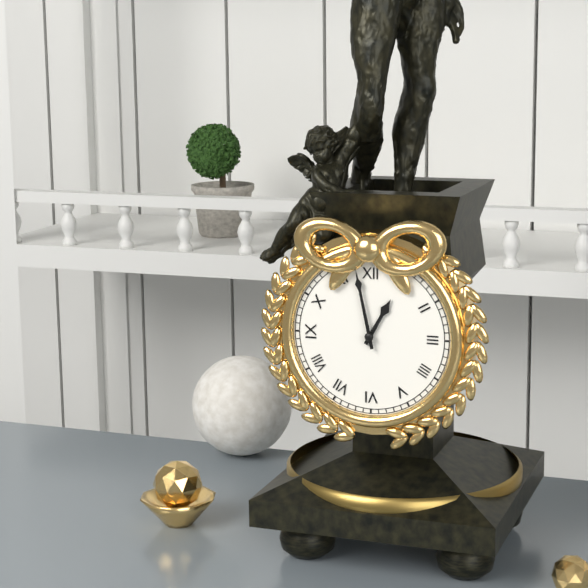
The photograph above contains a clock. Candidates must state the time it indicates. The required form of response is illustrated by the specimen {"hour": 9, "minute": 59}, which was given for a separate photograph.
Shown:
{"hour": 12, "minute": 58}
